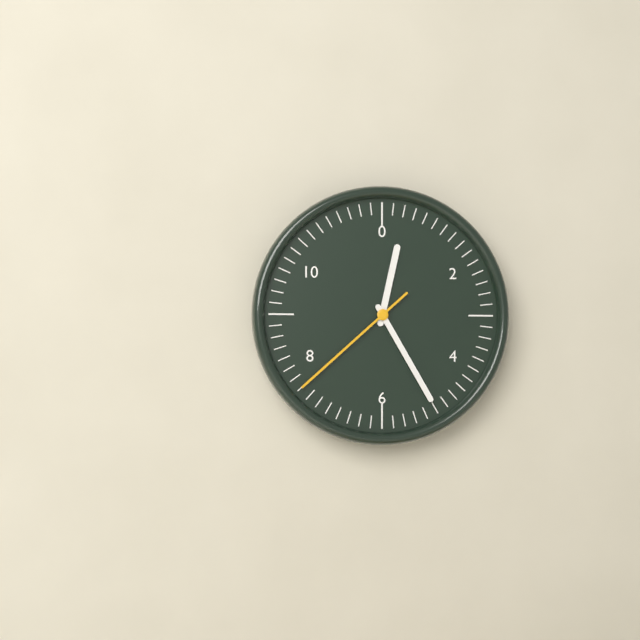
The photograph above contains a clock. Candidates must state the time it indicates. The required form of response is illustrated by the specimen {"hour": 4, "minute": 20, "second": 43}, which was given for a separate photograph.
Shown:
{"hour": 12, "minute": 25, "second": 38}
